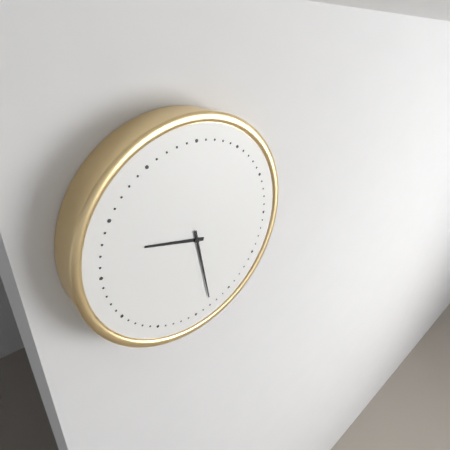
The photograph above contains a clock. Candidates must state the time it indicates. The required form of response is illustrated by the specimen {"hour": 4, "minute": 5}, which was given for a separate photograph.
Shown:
{"hour": 9, "minute": 28}
